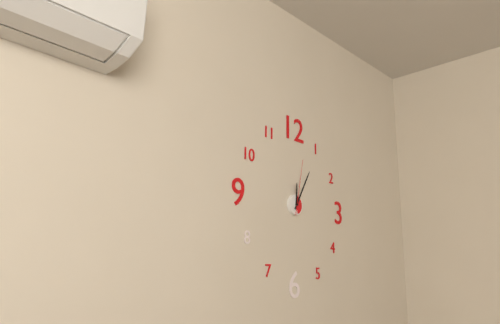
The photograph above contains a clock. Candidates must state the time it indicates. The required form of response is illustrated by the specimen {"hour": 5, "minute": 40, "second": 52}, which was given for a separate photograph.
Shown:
{"hour": 12, "minute": 5, "second": 2}
